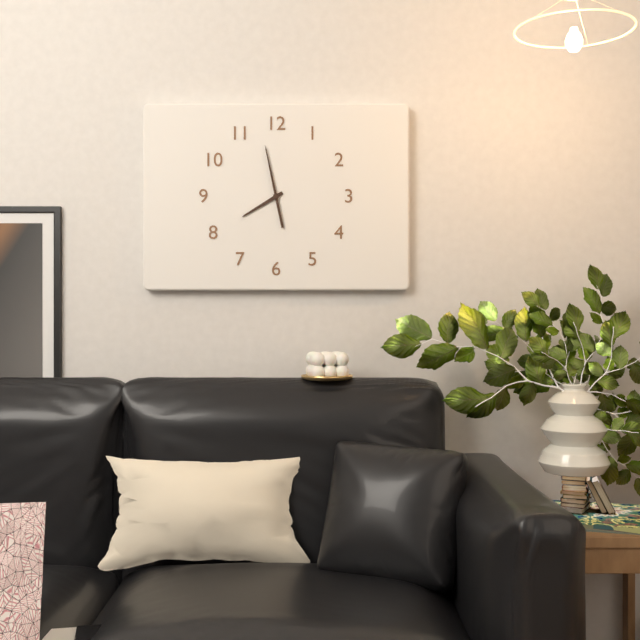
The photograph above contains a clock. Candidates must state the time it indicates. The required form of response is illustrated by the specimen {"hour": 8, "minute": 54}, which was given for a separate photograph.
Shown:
{"hour": 7, "minute": 58}
